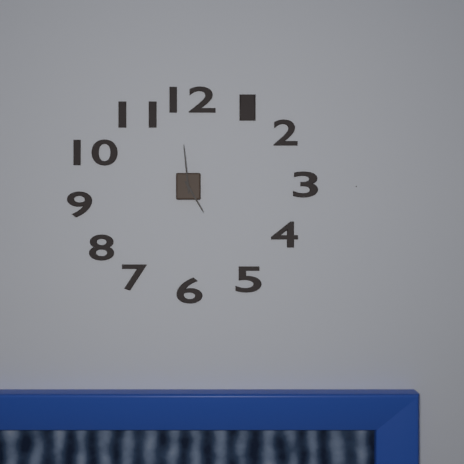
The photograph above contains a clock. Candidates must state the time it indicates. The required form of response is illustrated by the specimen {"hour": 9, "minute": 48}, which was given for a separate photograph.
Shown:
{"hour": 4, "minute": 59}
